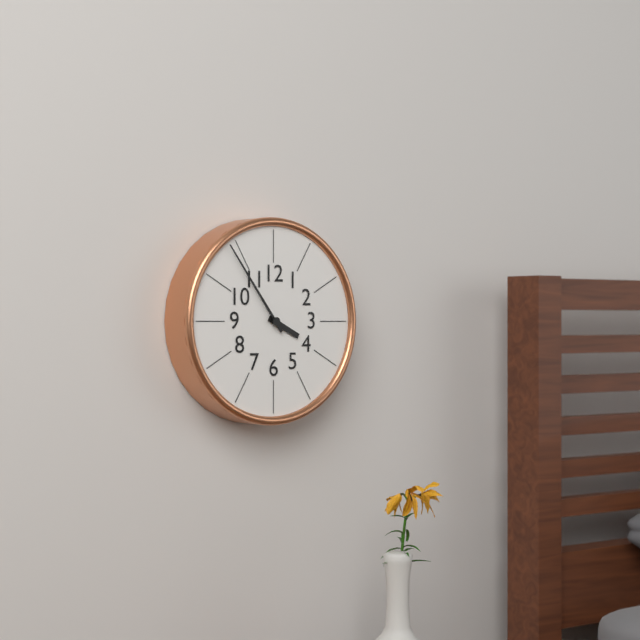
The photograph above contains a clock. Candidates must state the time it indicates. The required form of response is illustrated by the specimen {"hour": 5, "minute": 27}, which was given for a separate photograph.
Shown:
{"hour": 3, "minute": 54}
